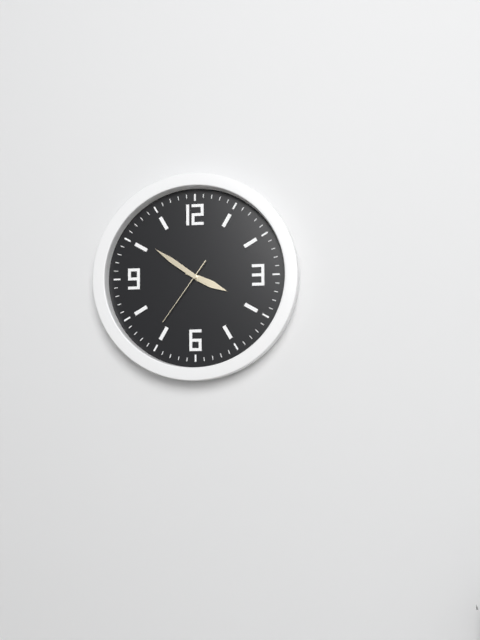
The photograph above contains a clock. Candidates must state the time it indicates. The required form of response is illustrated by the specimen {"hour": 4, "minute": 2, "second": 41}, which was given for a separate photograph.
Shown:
{"hour": 3, "minute": 51, "second": 36}
